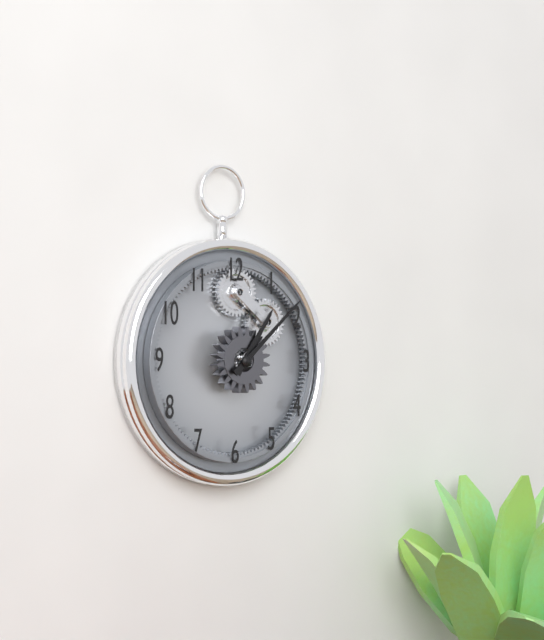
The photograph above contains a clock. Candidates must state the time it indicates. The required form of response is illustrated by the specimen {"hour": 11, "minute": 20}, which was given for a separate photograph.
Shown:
{"hour": 1, "minute": 8}
